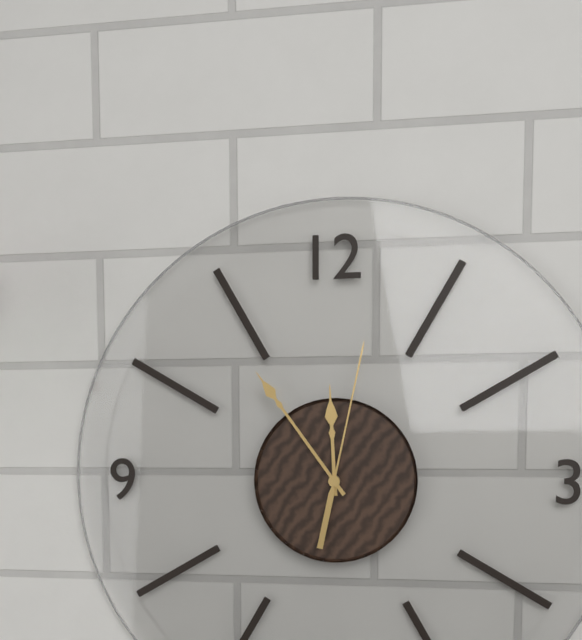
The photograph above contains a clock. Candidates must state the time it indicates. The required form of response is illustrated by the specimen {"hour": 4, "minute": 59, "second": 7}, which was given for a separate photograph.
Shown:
{"hour": 11, "minute": 54, "second": 2}
